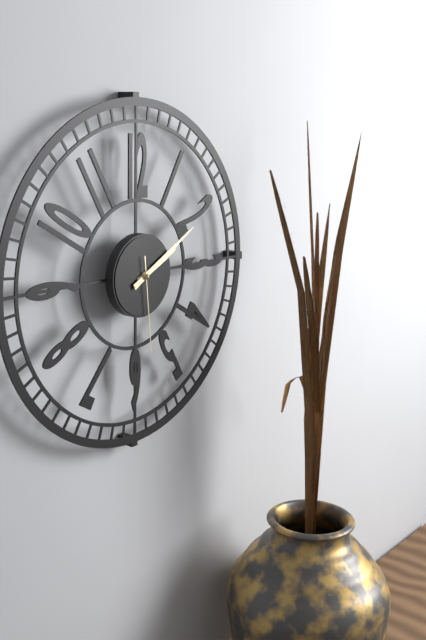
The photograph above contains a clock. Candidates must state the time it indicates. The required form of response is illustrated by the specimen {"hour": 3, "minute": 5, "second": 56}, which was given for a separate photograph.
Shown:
{"hour": 2, "minute": 10, "second": 29}
